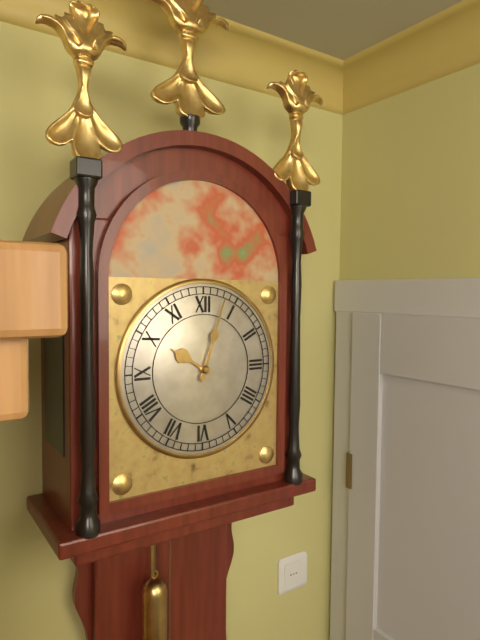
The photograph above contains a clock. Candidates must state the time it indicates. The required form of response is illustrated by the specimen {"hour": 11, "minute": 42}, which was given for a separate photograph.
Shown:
{"hour": 10, "minute": 3}
